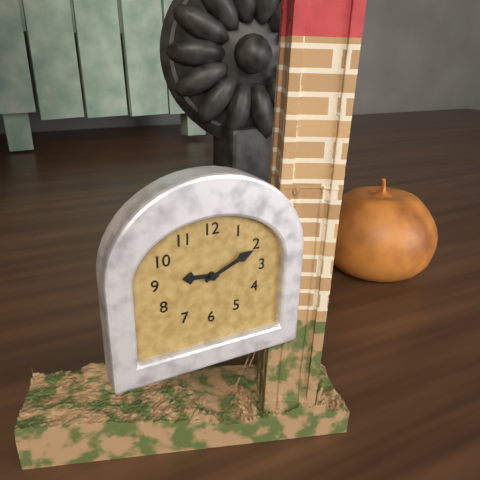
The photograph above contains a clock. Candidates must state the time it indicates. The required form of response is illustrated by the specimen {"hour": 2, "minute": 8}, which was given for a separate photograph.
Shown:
{"hour": 9, "minute": 11}
